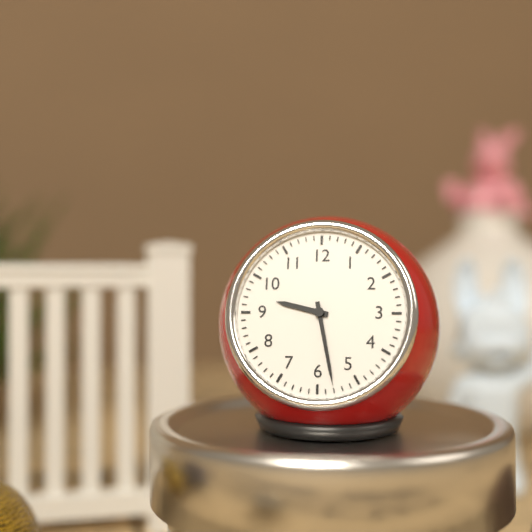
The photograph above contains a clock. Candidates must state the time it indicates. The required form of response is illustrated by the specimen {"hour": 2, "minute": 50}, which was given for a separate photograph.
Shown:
{"hour": 9, "minute": 28}
